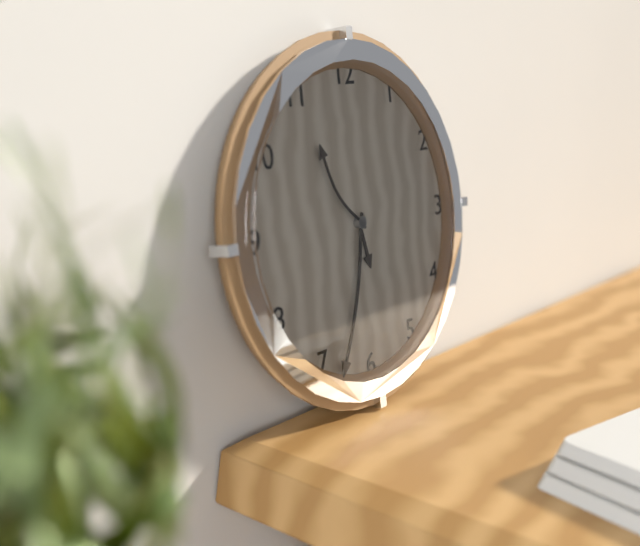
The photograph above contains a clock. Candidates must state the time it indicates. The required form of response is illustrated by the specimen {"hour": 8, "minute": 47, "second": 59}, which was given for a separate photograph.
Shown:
{"hour": 5, "minute": 33, "second": 54}
